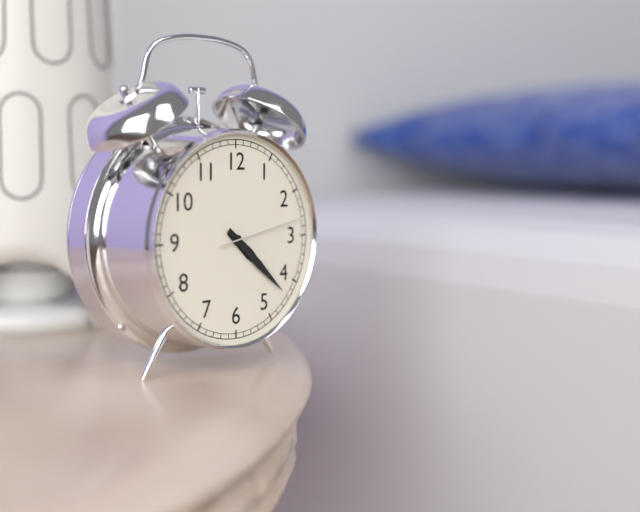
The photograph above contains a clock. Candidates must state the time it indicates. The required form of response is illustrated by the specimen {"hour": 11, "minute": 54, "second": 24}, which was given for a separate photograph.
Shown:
{"hour": 4, "minute": 22, "second": 13}
